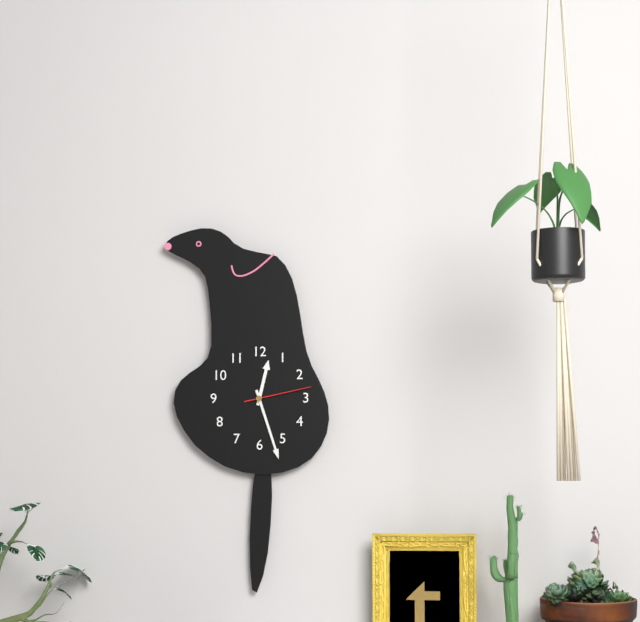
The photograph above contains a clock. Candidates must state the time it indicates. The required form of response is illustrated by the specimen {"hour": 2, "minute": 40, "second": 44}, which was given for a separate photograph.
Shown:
{"hour": 12, "minute": 27, "second": 13}
